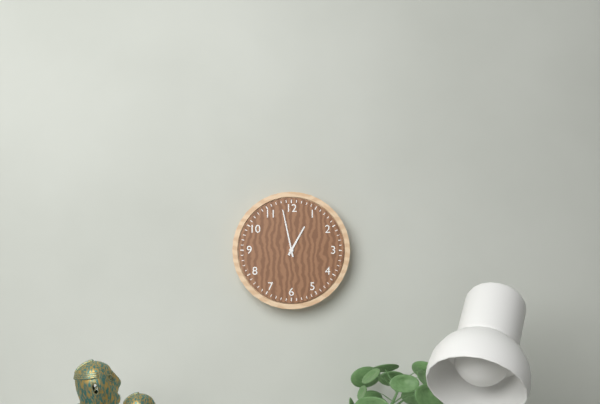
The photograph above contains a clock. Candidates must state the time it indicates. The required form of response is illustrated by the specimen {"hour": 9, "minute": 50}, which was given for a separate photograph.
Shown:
{"hour": 12, "minute": 58}
